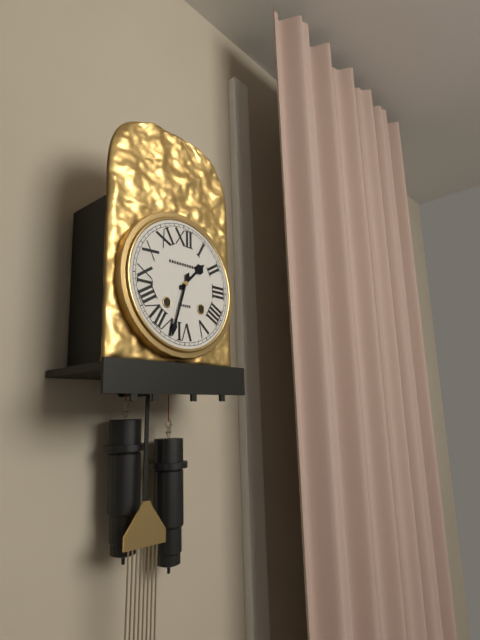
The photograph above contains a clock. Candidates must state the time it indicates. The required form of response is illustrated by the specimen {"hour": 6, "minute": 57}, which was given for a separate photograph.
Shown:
{"hour": 1, "minute": 33}
